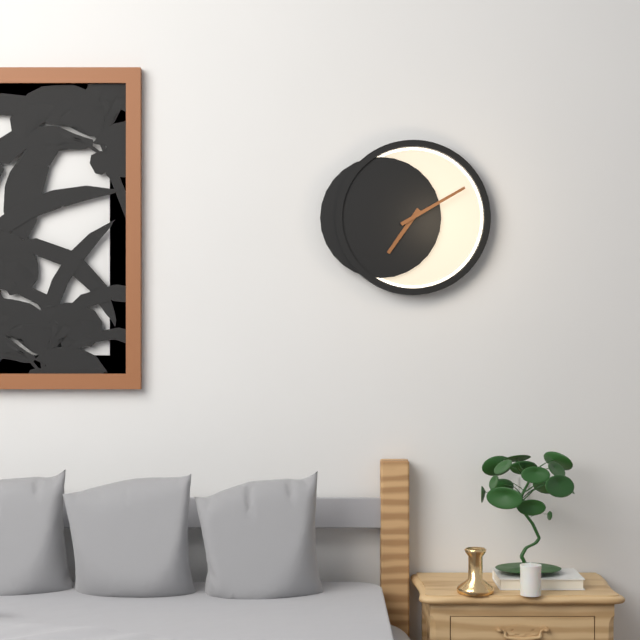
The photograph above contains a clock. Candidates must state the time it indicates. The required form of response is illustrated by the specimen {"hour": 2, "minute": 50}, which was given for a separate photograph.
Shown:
{"hour": 7, "minute": 10}
